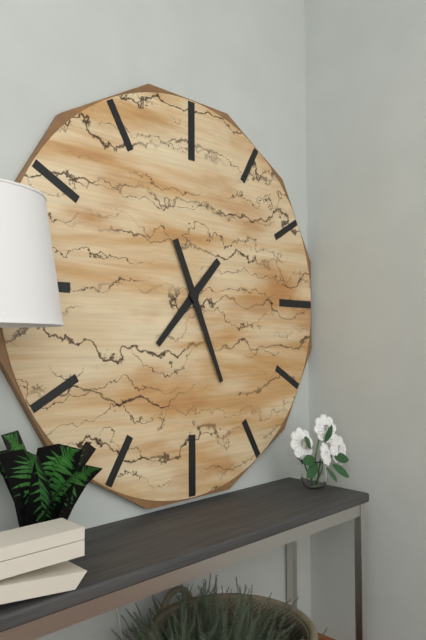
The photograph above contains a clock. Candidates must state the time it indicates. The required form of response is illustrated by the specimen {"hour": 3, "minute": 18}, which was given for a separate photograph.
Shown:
{"hour": 7, "minute": 26}
